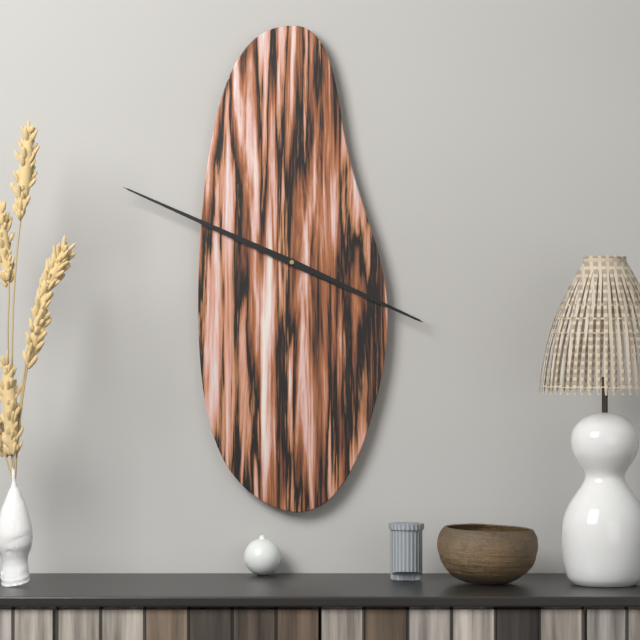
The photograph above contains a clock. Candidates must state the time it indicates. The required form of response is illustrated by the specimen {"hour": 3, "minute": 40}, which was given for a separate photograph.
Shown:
{"hour": 3, "minute": 49}
